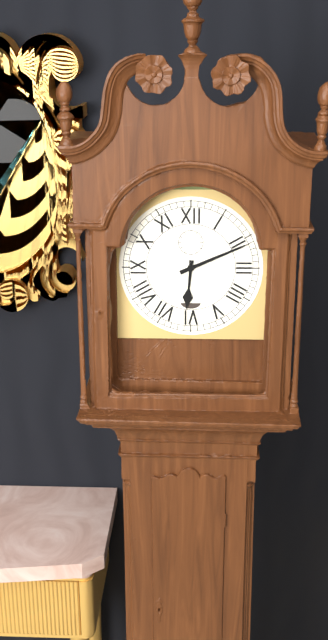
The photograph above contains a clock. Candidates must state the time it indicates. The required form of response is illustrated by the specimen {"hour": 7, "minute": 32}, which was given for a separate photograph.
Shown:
{"hour": 6, "minute": 11}
